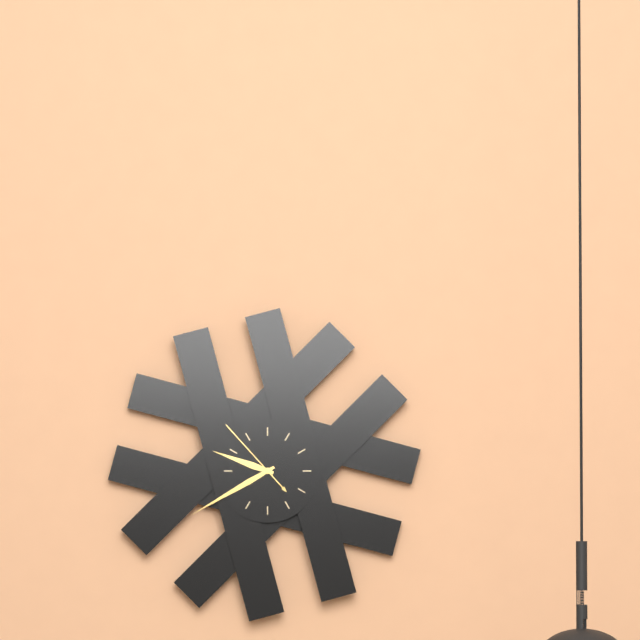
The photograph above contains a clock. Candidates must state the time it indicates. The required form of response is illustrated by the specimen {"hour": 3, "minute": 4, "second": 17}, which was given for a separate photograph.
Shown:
{"hour": 9, "minute": 40, "second": 53}
